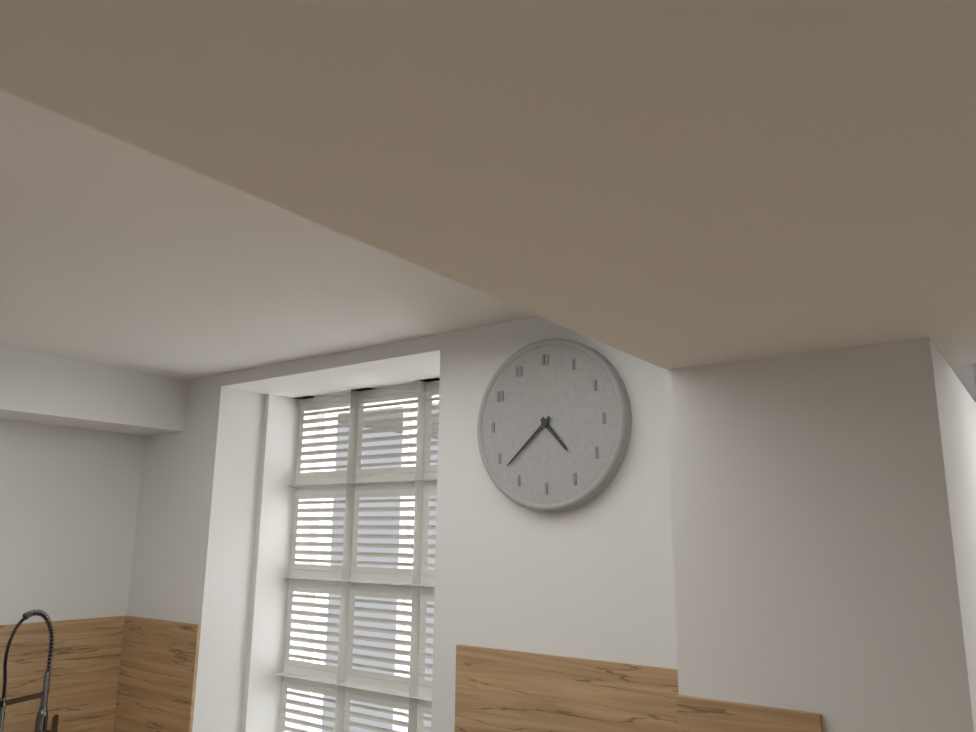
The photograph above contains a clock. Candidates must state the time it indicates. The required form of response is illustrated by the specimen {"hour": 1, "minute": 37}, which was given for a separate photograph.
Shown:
{"hour": 4, "minute": 38}
